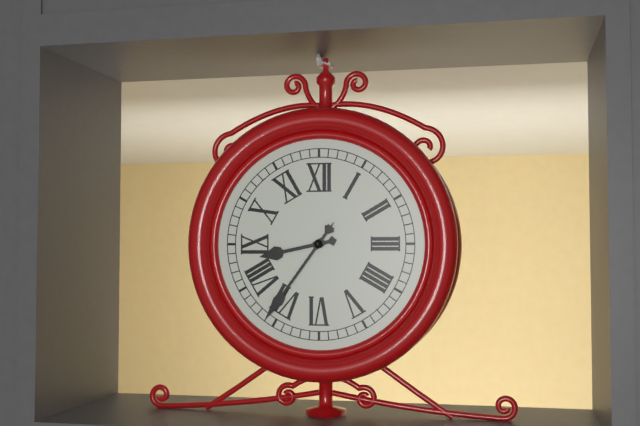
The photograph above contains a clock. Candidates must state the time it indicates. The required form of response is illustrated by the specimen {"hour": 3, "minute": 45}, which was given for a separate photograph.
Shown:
{"hour": 8, "minute": 36}
